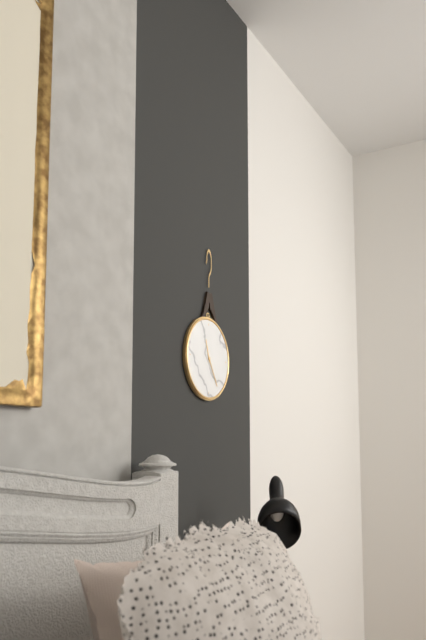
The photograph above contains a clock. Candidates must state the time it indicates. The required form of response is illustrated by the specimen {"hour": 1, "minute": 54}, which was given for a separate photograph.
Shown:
{"hour": 11, "minute": 25}
